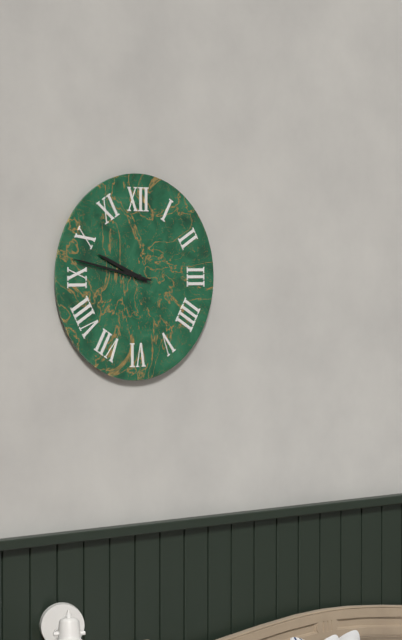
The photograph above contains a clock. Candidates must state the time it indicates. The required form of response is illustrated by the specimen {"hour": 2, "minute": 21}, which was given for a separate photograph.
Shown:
{"hour": 9, "minute": 47}
